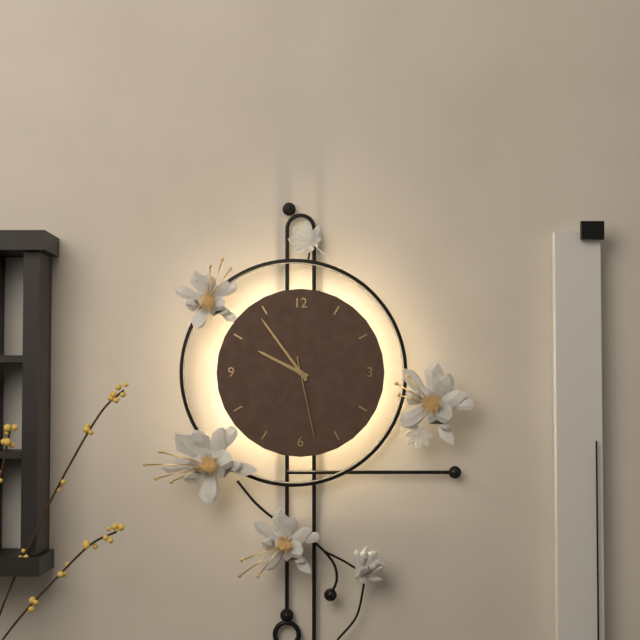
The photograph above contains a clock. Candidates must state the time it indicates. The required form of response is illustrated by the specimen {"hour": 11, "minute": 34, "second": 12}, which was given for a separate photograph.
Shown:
{"hour": 9, "minute": 54, "second": 28}
